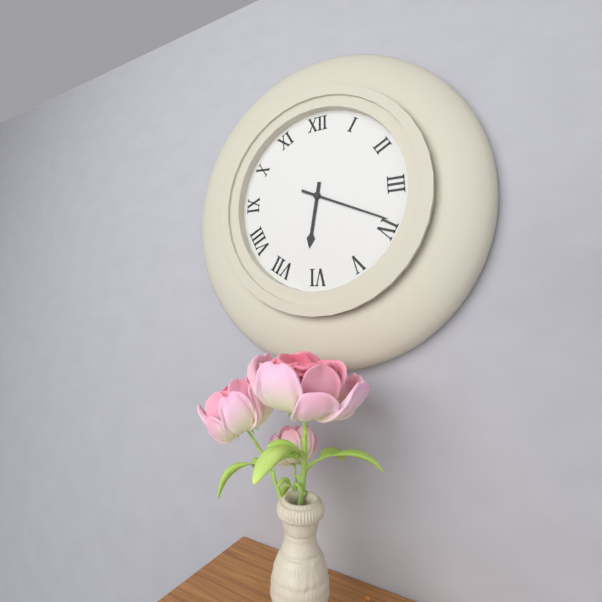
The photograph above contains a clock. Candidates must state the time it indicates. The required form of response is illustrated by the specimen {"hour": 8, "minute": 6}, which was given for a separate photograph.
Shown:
{"hour": 6, "minute": 19}
